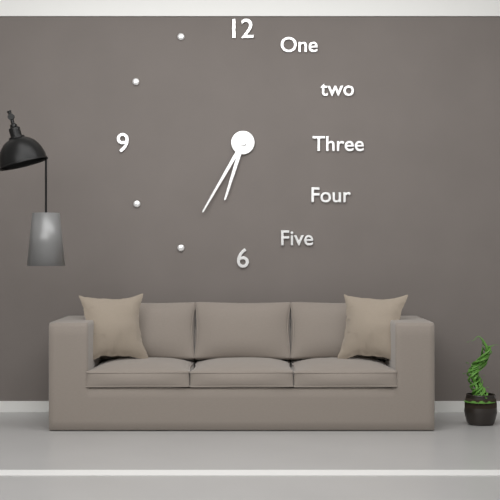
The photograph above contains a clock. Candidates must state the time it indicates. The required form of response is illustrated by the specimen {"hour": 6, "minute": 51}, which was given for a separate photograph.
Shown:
{"hour": 6, "minute": 35}
